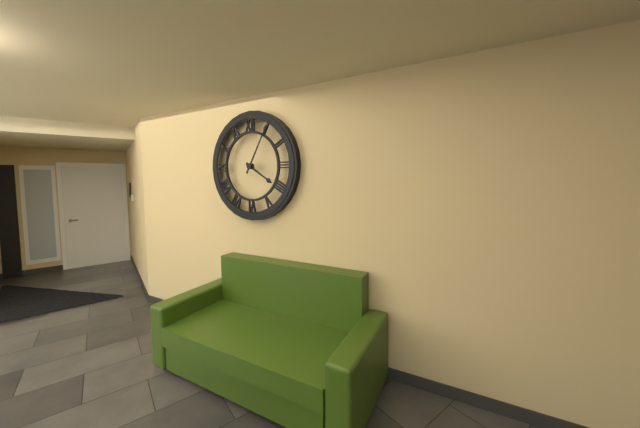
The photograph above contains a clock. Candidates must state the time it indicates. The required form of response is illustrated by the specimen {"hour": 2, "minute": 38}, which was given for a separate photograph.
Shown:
{"hour": 4, "minute": 5}
